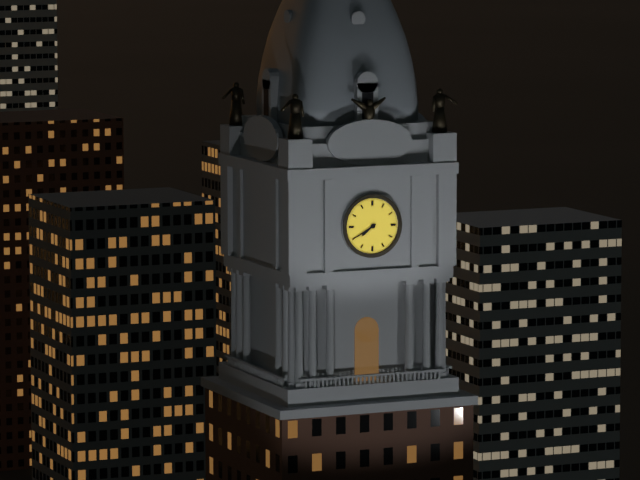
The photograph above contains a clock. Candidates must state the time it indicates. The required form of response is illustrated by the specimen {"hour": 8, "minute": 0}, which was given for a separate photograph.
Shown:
{"hour": 7, "minute": 40}
